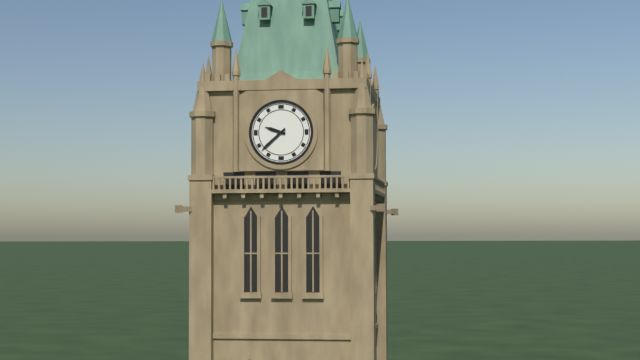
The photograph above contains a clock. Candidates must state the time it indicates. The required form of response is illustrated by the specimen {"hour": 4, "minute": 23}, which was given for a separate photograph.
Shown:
{"hour": 9, "minute": 38}
